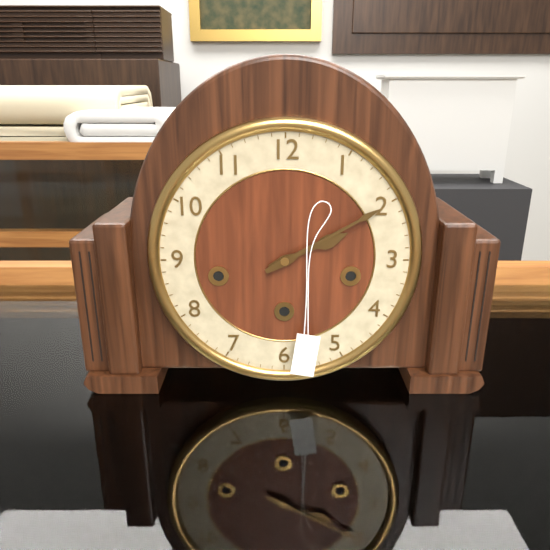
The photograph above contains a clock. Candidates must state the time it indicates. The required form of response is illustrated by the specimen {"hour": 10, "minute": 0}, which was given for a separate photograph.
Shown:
{"hour": 2, "minute": 10}
